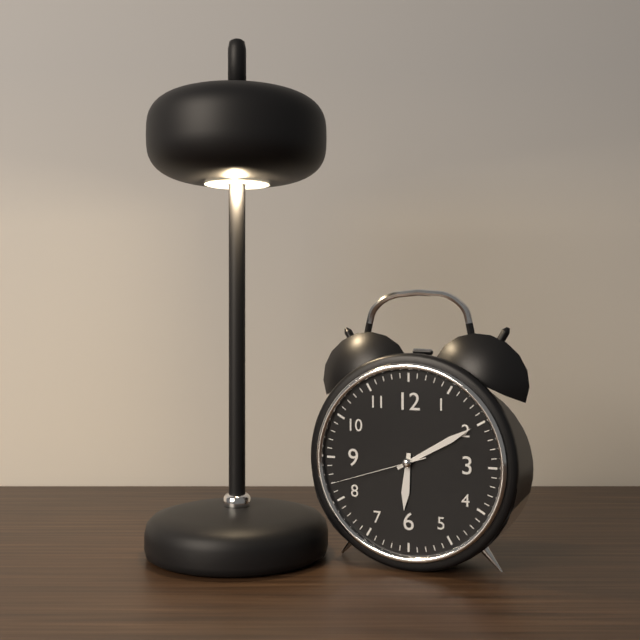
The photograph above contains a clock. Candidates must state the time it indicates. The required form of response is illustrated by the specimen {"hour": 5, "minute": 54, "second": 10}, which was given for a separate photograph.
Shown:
{"hour": 6, "minute": 10, "second": 42}
